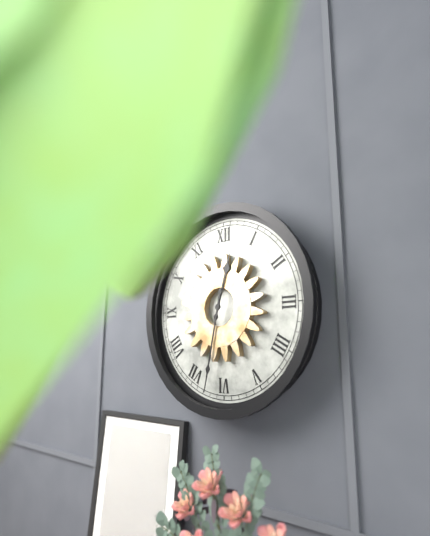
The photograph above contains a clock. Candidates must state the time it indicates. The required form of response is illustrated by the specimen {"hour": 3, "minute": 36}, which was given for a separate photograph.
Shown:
{"hour": 12, "minute": 32}
